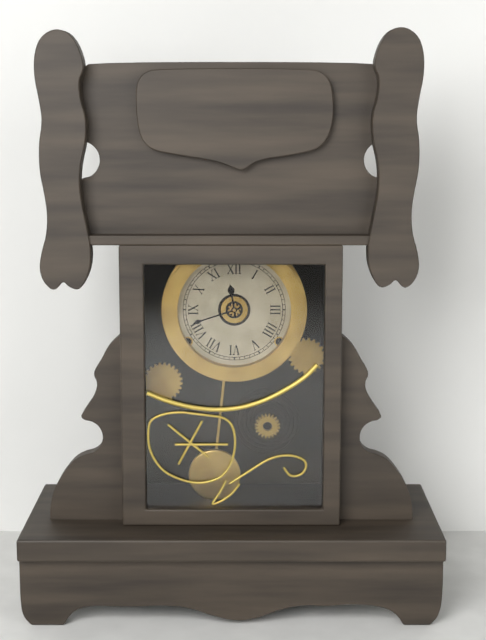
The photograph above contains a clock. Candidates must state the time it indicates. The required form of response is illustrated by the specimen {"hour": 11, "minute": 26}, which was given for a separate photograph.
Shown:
{"hour": 11, "minute": 42}
